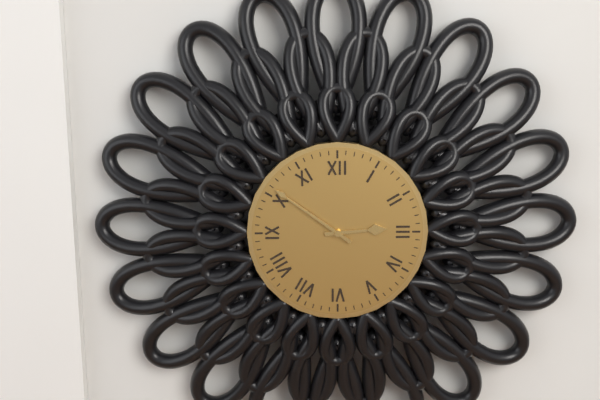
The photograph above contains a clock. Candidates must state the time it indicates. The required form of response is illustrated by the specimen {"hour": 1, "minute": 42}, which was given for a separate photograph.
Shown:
{"hour": 2, "minute": 51}
